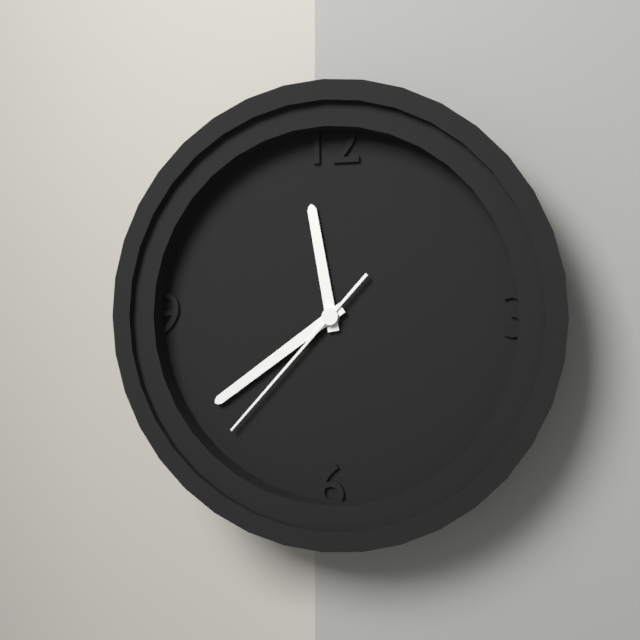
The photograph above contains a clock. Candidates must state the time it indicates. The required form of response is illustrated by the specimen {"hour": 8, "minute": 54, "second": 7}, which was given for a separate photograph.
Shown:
{"hour": 11, "minute": 39, "second": 37}
